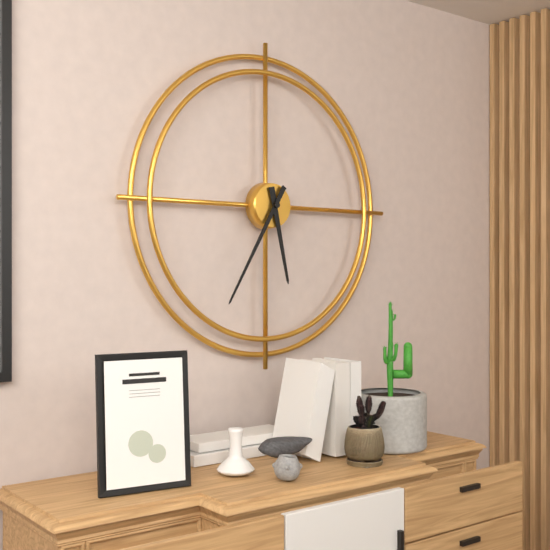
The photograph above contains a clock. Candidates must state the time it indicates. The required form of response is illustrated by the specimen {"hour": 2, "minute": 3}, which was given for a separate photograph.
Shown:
{"hour": 5, "minute": 35}
